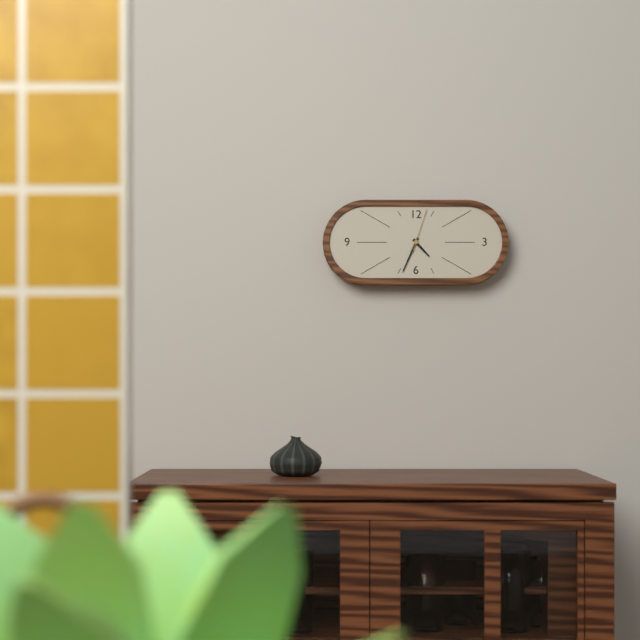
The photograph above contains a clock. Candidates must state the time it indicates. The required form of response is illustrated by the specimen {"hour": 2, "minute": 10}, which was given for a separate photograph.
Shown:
{"hour": 4, "minute": 34}
